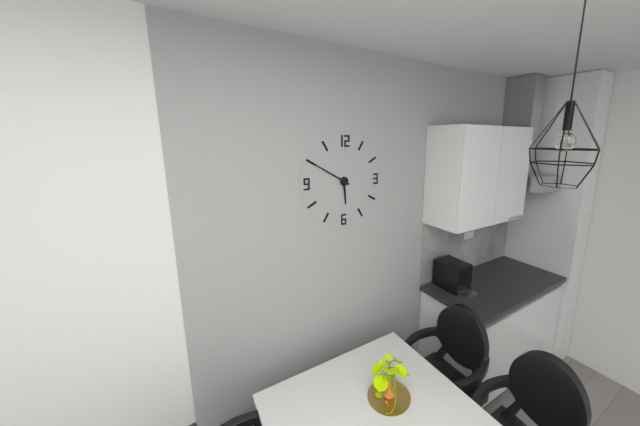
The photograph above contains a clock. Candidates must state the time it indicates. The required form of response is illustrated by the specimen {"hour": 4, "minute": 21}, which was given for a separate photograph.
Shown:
{"hour": 5, "minute": 50}
